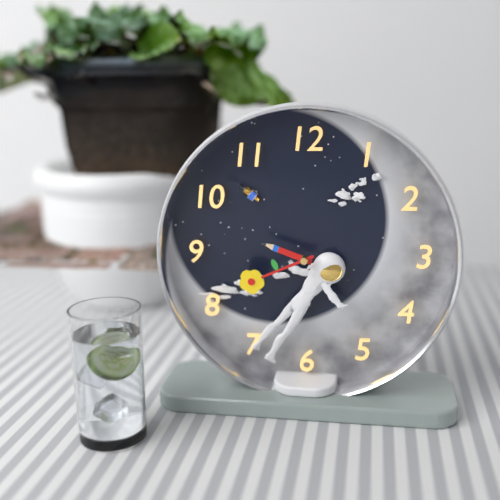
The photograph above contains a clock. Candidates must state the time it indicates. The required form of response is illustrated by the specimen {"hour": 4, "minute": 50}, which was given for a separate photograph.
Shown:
{"hour": 9, "minute": 41}
